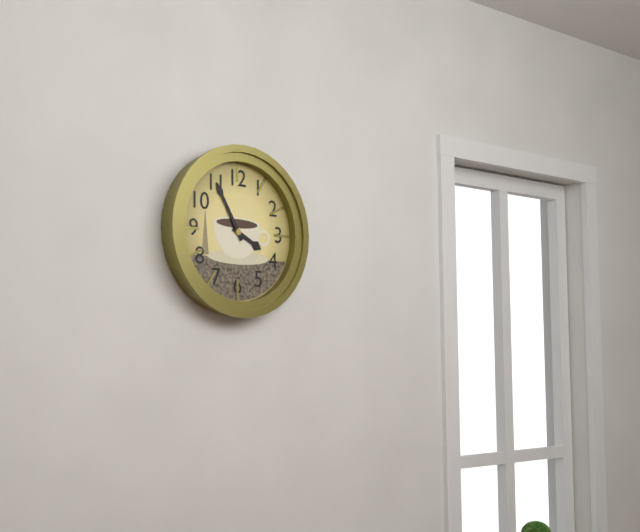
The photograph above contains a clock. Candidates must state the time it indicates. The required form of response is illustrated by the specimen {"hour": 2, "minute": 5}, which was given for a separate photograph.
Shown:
{"hour": 3, "minute": 55}
